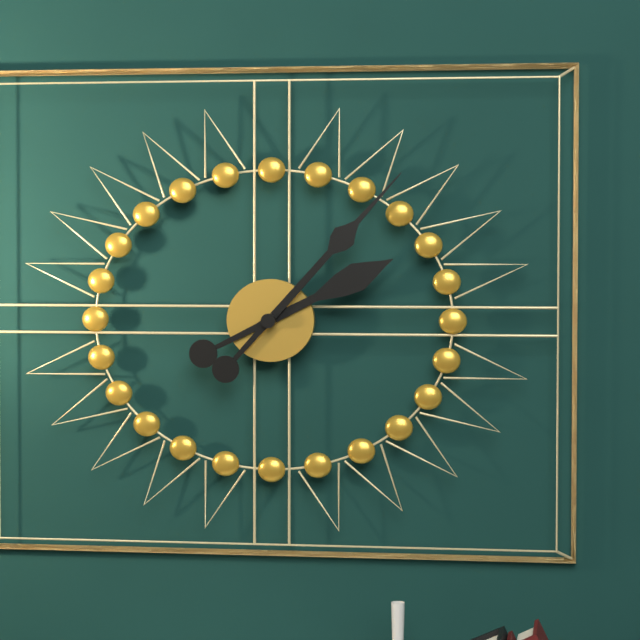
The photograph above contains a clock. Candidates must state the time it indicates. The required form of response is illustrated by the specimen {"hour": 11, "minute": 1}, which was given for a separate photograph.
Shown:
{"hour": 2, "minute": 7}
